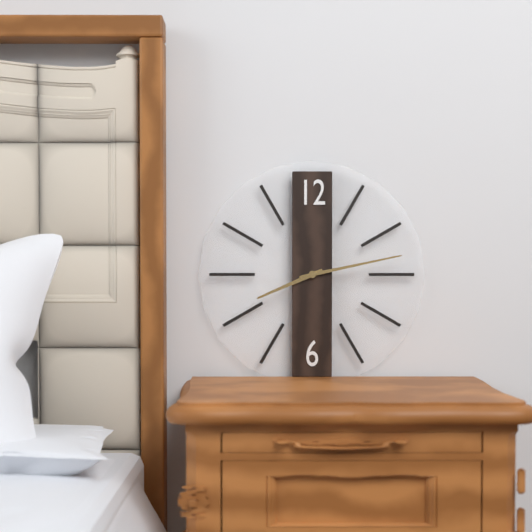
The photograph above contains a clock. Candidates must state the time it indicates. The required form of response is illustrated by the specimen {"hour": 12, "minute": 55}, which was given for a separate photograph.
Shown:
{"hour": 8, "minute": 13}
